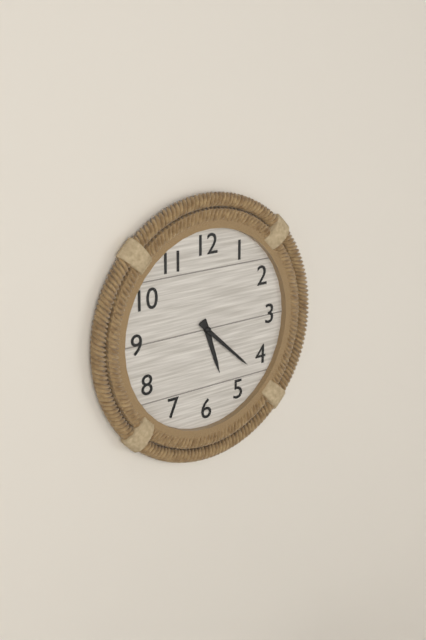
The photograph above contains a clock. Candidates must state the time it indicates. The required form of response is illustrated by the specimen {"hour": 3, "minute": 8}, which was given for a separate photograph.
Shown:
{"hour": 5, "minute": 22}
